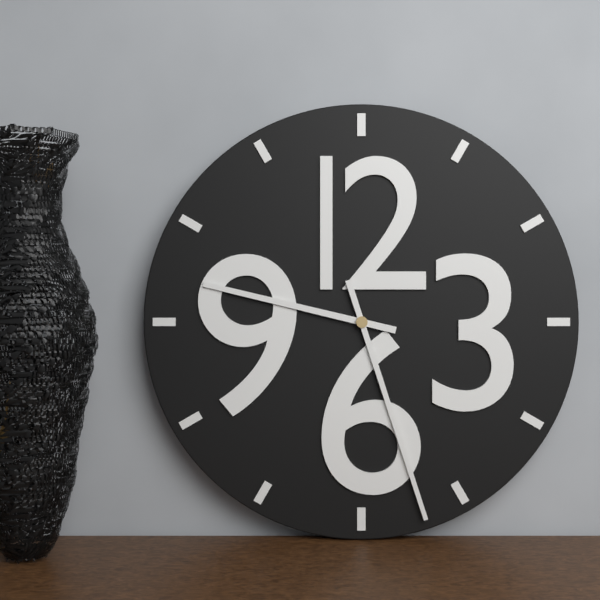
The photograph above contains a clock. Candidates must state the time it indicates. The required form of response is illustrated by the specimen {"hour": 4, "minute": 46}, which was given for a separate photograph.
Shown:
{"hour": 9, "minute": 27}
